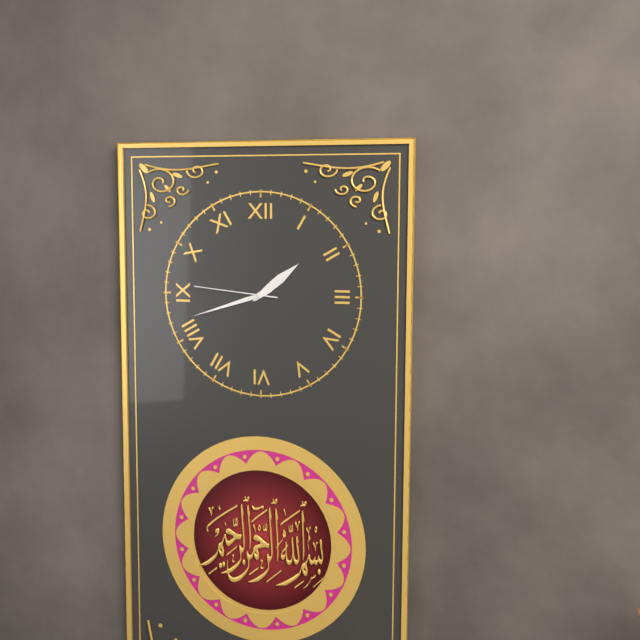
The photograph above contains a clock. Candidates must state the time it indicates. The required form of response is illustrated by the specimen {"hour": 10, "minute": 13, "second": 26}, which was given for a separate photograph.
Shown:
{"hour": 1, "minute": 42, "second": 46}
